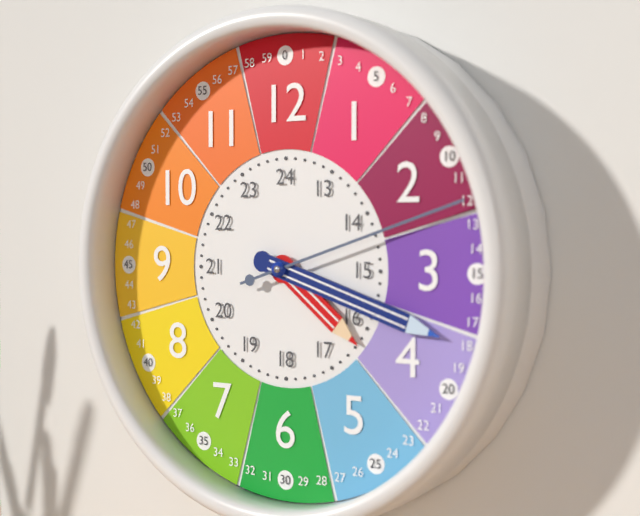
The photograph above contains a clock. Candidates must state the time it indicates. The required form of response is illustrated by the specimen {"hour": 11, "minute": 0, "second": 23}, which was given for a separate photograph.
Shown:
{"hour": 4, "minute": 18, "second": 12}
